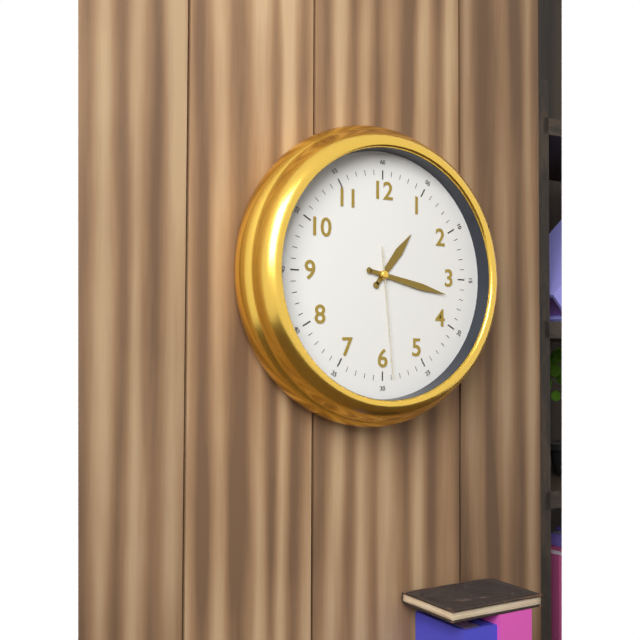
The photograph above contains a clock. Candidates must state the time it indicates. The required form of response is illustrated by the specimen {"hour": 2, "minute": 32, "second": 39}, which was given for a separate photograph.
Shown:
{"hour": 1, "minute": 17, "second": 29}
